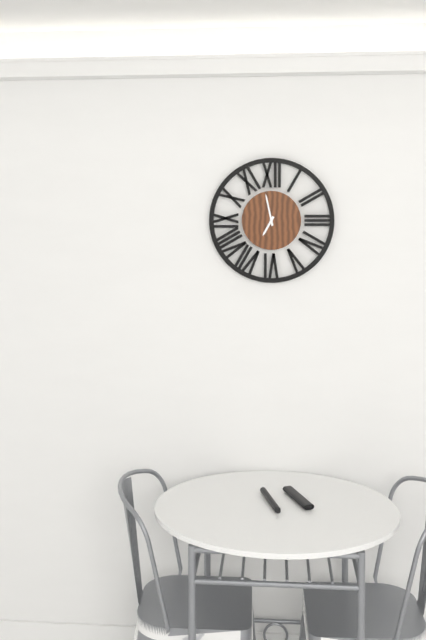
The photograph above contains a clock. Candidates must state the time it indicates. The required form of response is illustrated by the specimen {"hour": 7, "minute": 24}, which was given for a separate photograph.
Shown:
{"hour": 6, "minute": 58}
